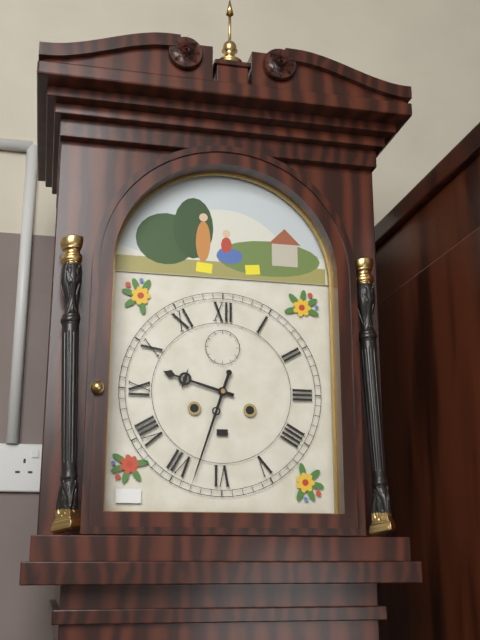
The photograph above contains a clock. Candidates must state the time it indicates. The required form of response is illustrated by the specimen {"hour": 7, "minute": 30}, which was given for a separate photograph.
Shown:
{"hour": 9, "minute": 33}
